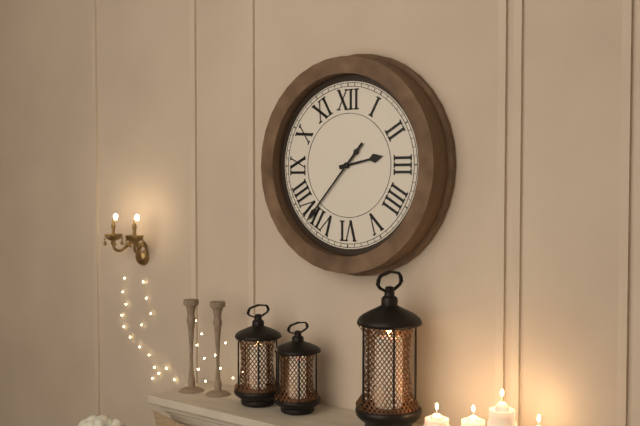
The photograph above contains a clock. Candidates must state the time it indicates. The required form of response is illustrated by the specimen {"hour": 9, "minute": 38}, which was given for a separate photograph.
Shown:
{"hour": 2, "minute": 37}
